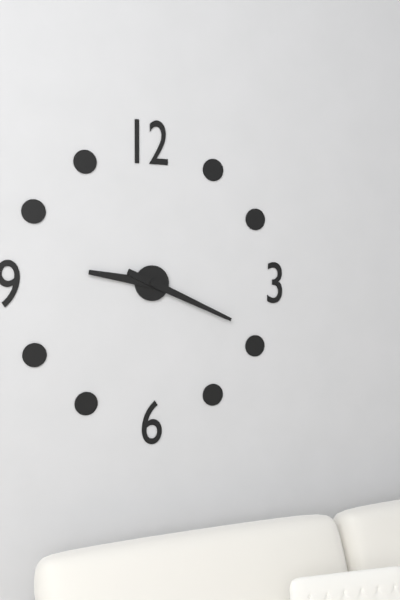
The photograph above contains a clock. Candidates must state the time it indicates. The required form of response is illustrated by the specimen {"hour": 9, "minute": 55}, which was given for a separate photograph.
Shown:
{"hour": 9, "minute": 19}
